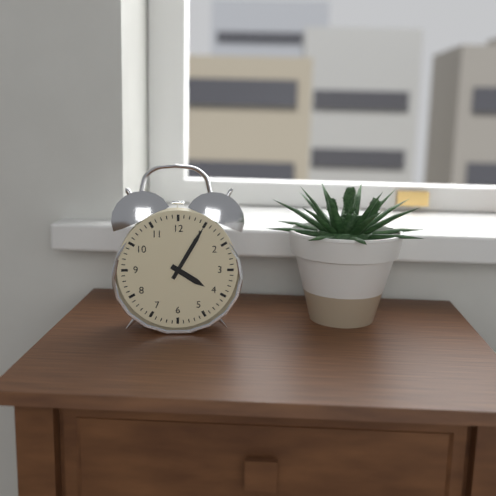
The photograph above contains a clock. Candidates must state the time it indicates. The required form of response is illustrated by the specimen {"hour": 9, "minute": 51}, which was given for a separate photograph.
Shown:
{"hour": 4, "minute": 5}
